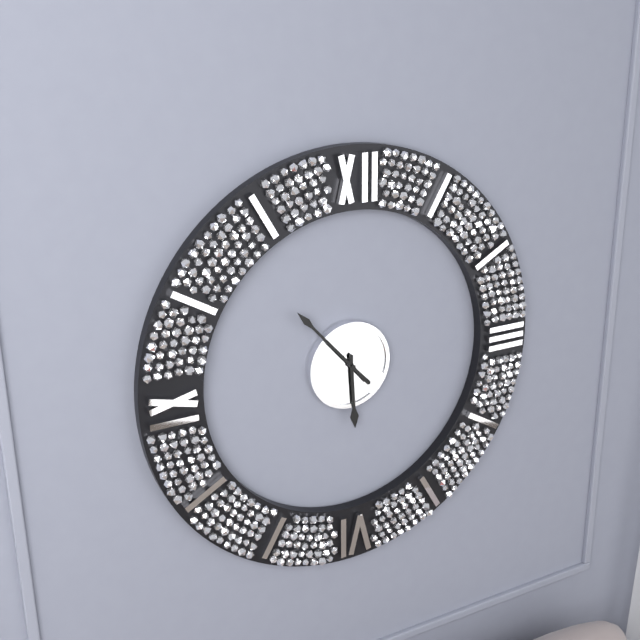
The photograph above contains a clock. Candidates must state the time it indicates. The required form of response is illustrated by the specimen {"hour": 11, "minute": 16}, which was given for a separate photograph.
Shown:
{"hour": 5, "minute": 53}
